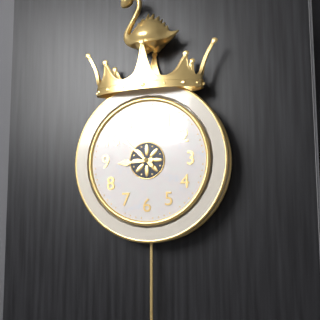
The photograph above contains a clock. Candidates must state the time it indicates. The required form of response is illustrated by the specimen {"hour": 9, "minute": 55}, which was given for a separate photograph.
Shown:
{"hour": 8, "minute": 52}
